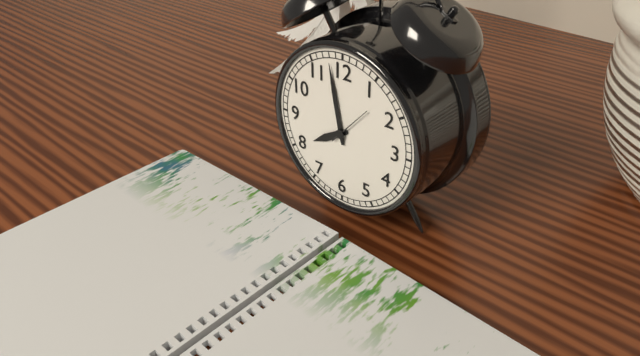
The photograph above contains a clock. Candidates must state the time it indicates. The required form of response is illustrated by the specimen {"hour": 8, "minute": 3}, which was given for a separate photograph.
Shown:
{"hour": 7, "minute": 58}
